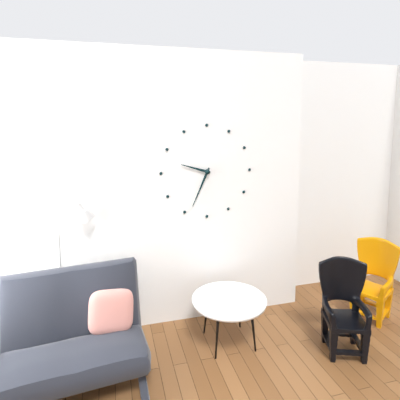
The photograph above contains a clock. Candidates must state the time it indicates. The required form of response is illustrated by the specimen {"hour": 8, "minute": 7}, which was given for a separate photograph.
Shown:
{"hour": 9, "minute": 34}
